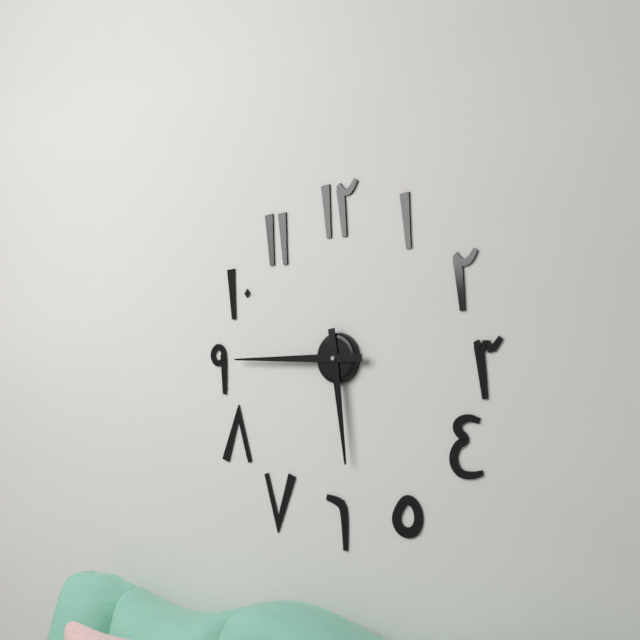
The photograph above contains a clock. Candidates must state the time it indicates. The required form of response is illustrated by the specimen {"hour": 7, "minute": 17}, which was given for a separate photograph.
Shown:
{"hour": 5, "minute": 45}
